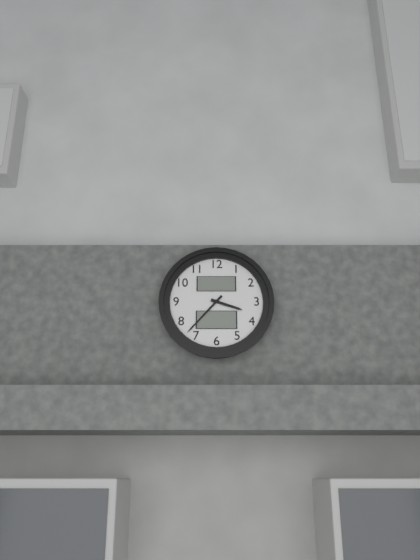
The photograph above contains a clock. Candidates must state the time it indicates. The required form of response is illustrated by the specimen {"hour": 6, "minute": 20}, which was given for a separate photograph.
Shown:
{"hour": 3, "minute": 37}
